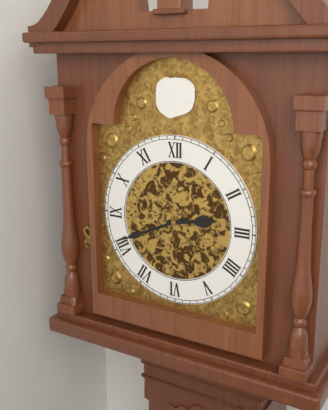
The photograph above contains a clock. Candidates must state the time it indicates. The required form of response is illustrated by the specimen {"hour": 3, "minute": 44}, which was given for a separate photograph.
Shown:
{"hour": 2, "minute": 41}
